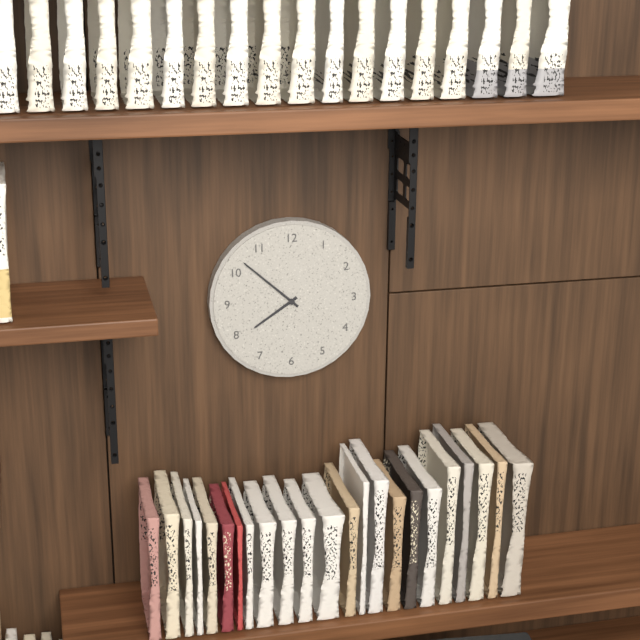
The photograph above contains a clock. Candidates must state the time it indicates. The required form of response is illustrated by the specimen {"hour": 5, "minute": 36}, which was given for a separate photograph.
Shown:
{"hour": 7, "minute": 52}
